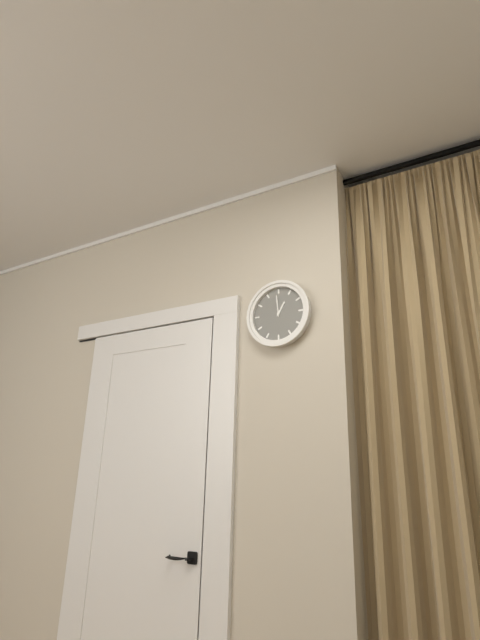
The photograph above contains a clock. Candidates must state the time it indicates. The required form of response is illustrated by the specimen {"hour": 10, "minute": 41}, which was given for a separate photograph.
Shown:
{"hour": 12, "minute": 59}
